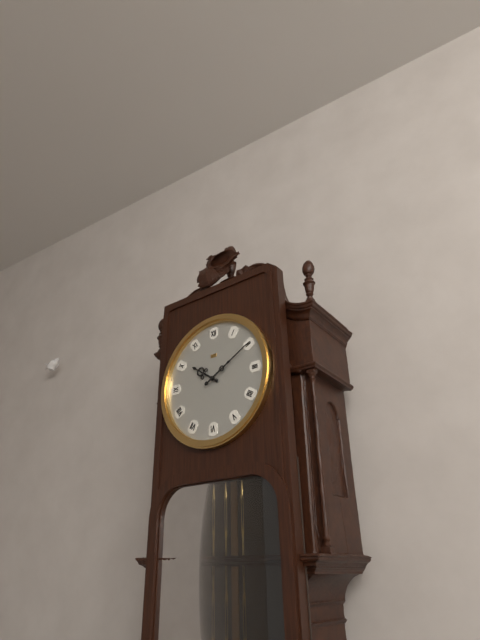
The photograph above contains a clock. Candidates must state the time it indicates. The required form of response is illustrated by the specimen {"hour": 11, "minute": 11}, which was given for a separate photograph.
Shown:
{"hour": 10, "minute": 10}
